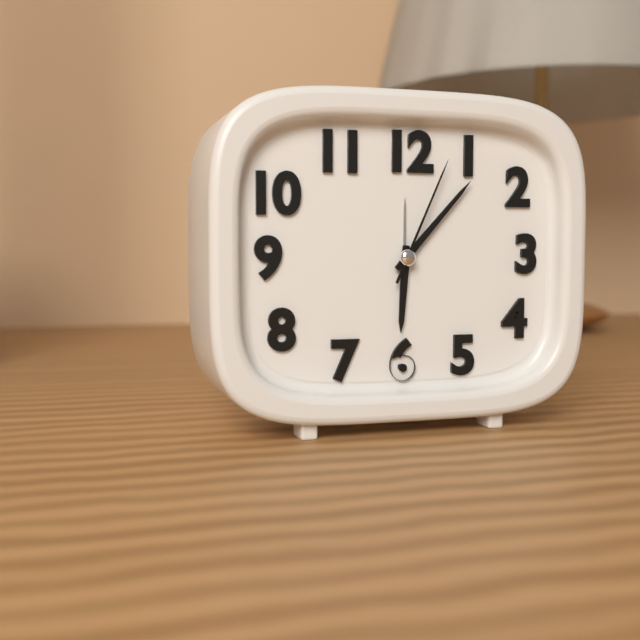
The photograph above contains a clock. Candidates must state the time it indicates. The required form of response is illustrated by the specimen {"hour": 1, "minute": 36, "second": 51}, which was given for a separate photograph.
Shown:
{"hour": 6, "minute": 7, "second": 4}
